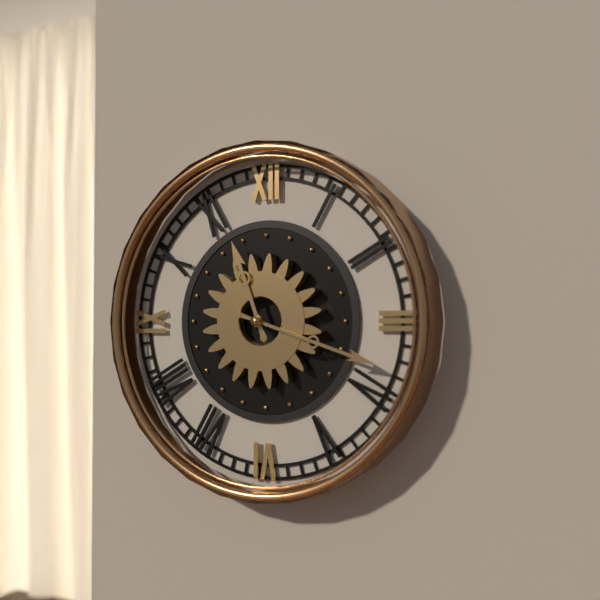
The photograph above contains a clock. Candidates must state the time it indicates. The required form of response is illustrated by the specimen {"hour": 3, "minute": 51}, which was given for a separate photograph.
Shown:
{"hour": 11, "minute": 18}
